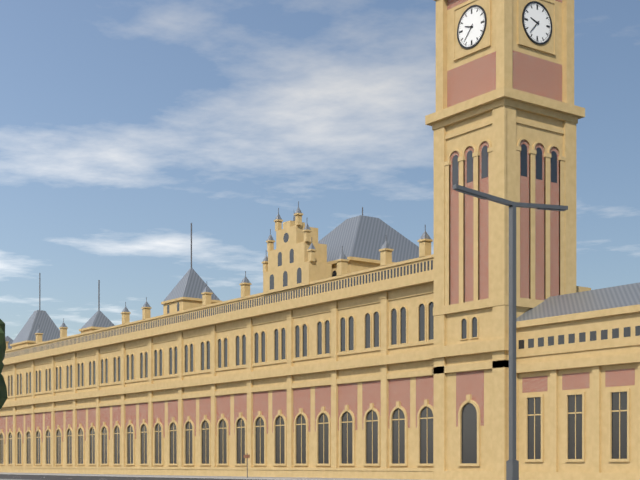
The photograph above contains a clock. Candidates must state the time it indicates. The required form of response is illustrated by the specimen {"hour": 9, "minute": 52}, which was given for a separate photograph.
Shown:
{"hour": 9, "minute": 37}
